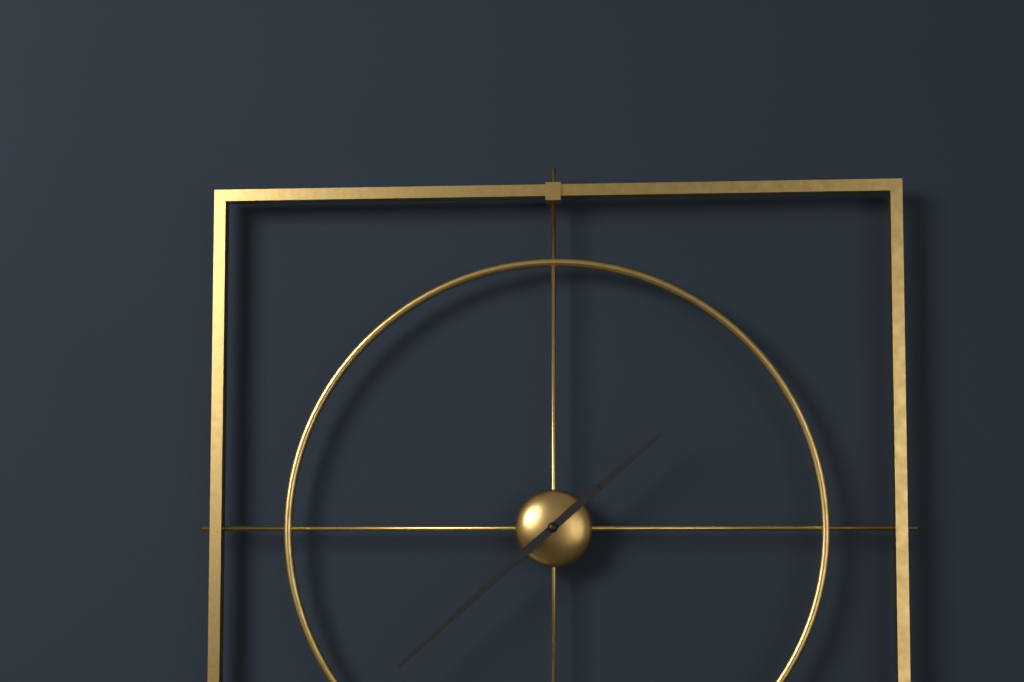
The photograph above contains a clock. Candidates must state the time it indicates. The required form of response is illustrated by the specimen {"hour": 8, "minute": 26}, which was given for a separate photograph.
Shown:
{"hour": 1, "minute": 38}
